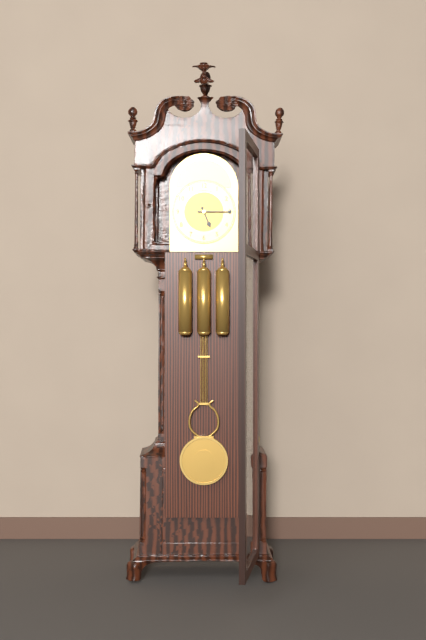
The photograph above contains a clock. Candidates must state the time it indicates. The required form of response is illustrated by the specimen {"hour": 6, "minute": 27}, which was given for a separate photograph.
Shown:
{"hour": 5, "minute": 15}
